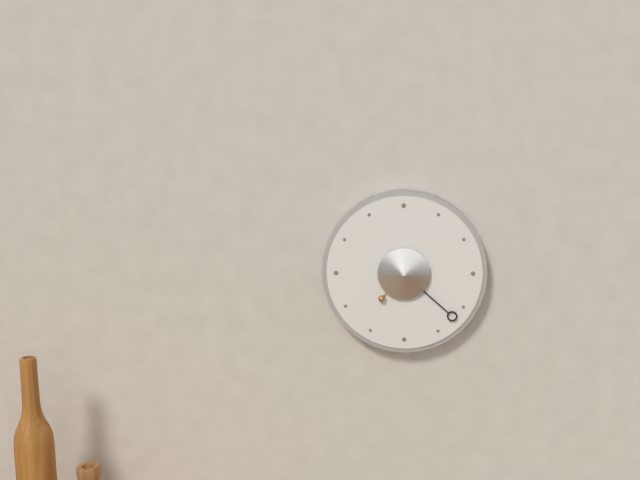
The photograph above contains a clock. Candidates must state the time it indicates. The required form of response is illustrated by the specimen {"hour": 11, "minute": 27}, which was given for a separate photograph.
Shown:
{"hour": 7, "minute": 22}
